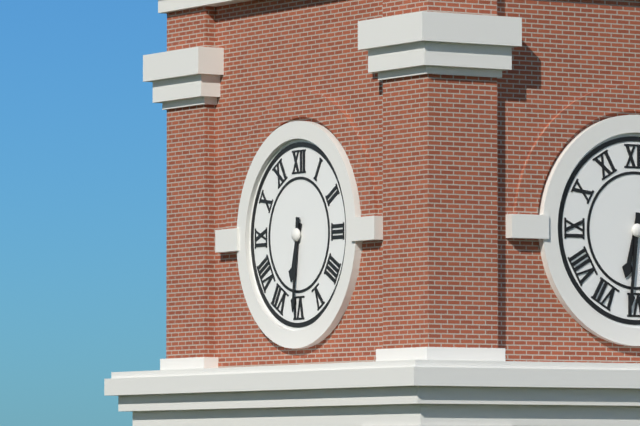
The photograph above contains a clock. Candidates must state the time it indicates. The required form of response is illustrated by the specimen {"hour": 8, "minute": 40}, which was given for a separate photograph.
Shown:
{"hour": 6, "minute": 31}
